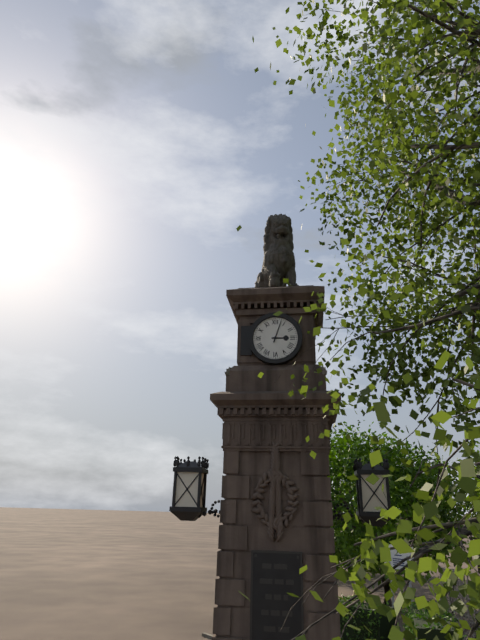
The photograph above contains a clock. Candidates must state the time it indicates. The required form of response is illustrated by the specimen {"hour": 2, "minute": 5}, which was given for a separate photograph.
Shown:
{"hour": 3, "minute": 3}
